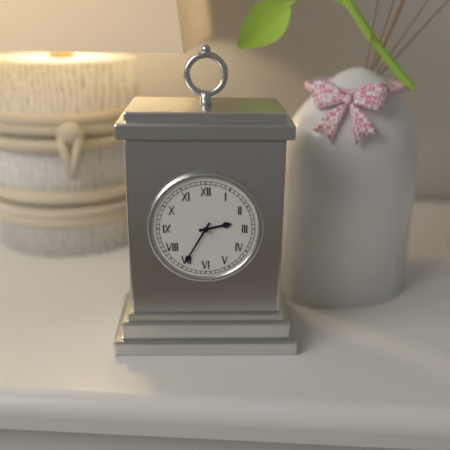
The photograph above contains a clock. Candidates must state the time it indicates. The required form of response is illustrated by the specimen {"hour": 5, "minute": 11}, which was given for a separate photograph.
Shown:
{"hour": 2, "minute": 35}
